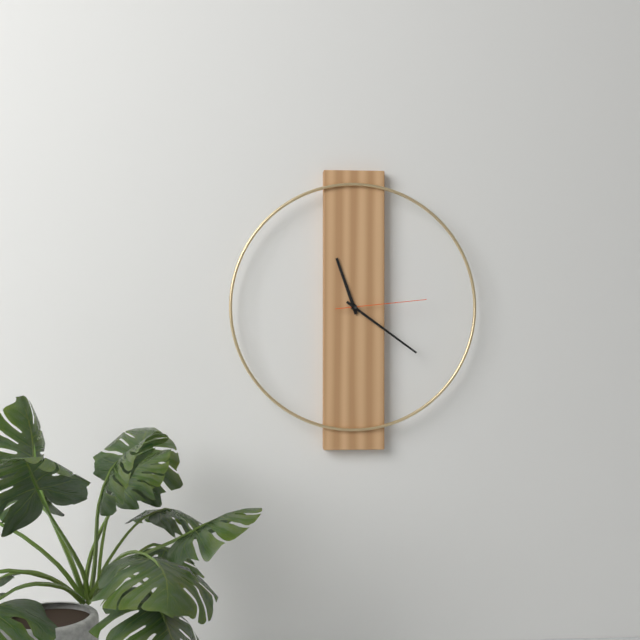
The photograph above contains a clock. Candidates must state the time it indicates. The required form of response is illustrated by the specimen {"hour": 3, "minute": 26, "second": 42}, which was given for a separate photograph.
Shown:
{"hour": 11, "minute": 21, "second": 14}
